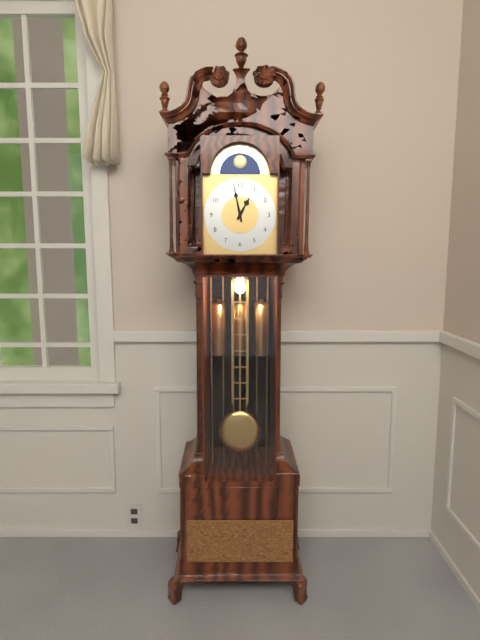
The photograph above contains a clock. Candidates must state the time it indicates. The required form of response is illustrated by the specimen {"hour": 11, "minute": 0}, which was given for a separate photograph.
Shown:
{"hour": 12, "minute": 58}
